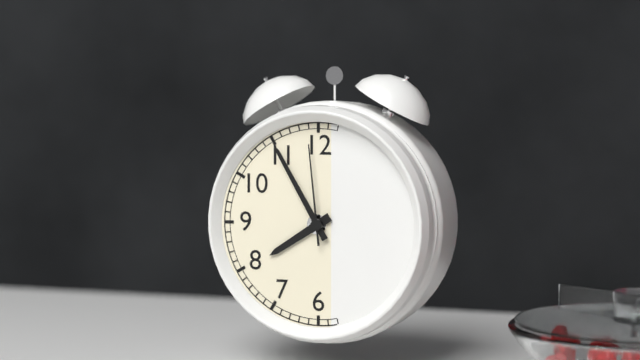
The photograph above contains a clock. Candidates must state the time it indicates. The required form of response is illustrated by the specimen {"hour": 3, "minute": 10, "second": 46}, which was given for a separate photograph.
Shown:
{"hour": 7, "minute": 55, "second": 59}
